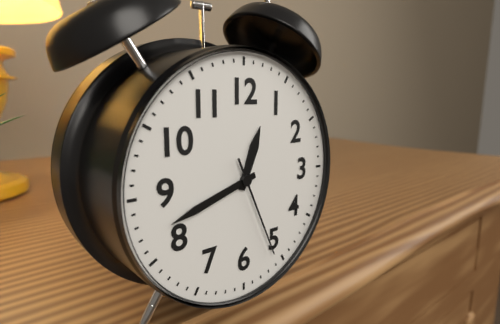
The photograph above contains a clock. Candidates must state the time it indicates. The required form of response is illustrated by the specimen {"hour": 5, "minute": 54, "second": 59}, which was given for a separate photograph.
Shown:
{"hour": 12, "minute": 42, "second": 26}
